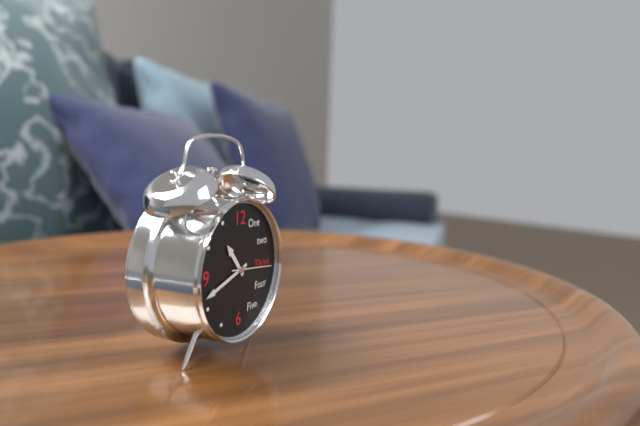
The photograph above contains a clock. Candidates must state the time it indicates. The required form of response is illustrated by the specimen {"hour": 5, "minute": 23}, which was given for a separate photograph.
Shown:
{"hour": 10, "minute": 42}
